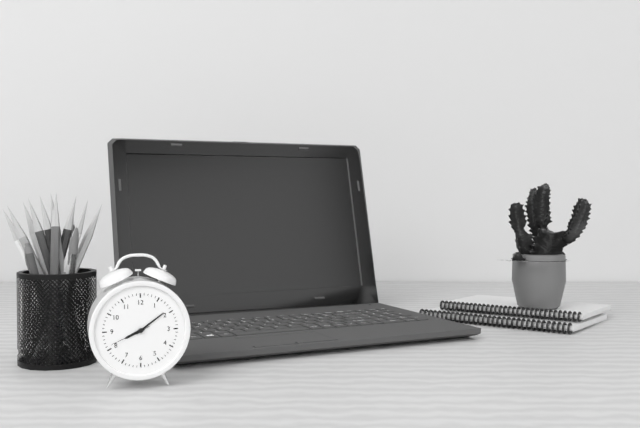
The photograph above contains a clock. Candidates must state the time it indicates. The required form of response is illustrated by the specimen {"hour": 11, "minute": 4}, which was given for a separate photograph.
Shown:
{"hour": 8, "minute": 9}
